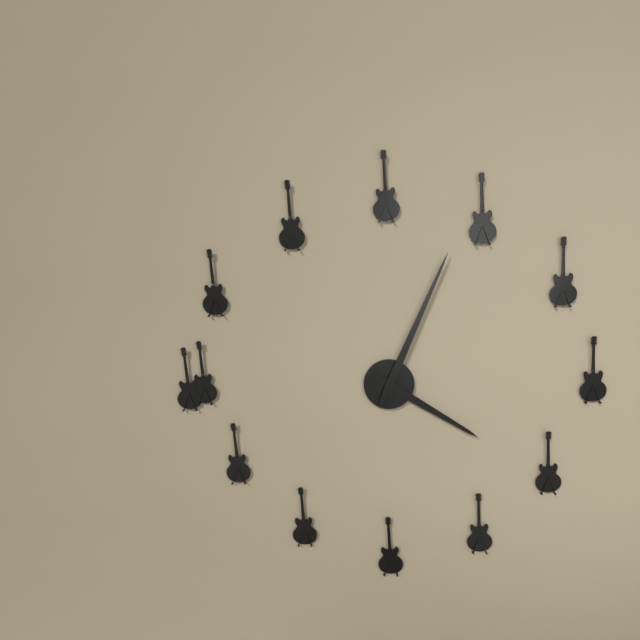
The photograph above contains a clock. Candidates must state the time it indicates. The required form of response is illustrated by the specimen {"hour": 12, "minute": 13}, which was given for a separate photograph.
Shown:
{"hour": 4, "minute": 4}
